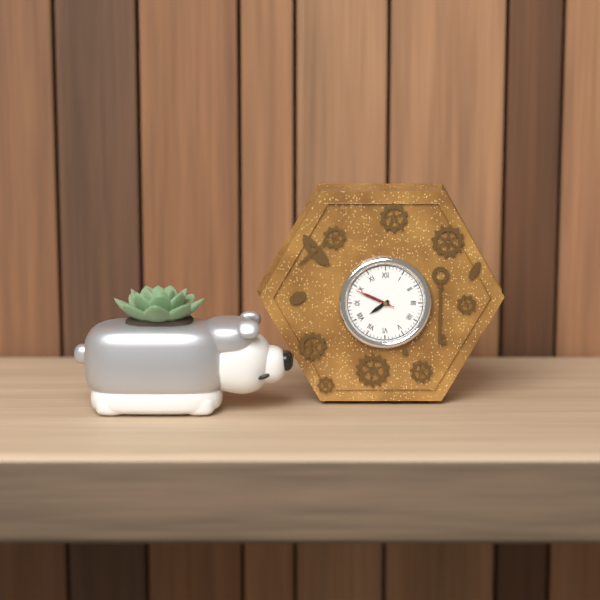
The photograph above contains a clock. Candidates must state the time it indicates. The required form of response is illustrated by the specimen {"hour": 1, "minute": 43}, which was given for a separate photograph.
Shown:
{"hour": 7, "minute": 49}
